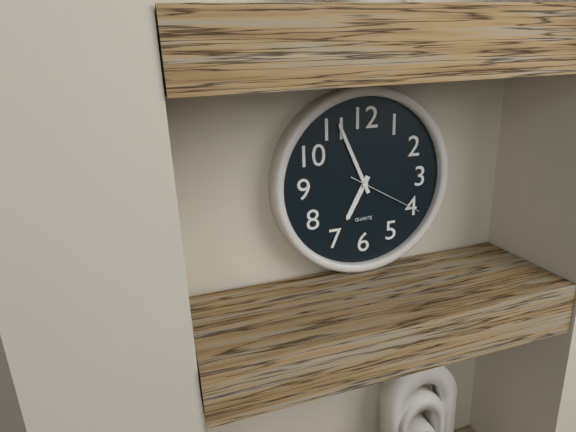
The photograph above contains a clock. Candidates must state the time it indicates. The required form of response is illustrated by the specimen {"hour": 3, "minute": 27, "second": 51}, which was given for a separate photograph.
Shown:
{"hour": 6, "minute": 56, "second": 20}
